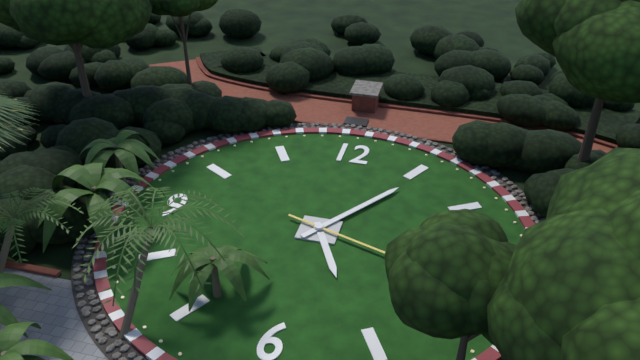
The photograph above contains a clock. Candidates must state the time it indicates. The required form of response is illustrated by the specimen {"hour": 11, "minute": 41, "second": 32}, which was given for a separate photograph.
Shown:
{"hour": 5, "minute": 6, "second": 18}
